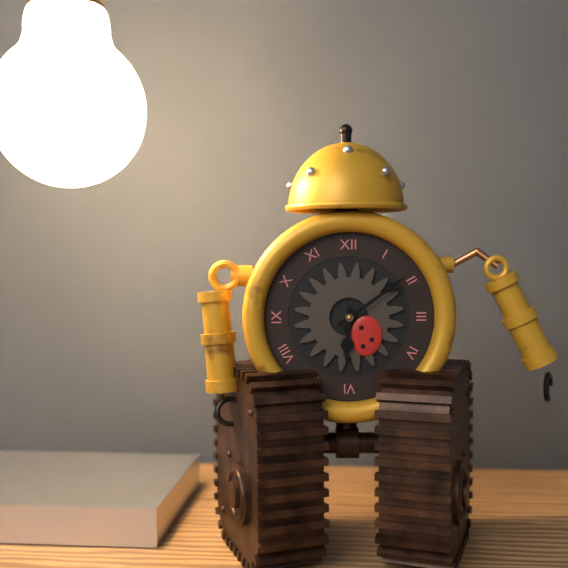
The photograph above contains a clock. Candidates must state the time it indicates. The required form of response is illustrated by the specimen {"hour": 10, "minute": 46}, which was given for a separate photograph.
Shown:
{"hour": 6, "minute": 9}
